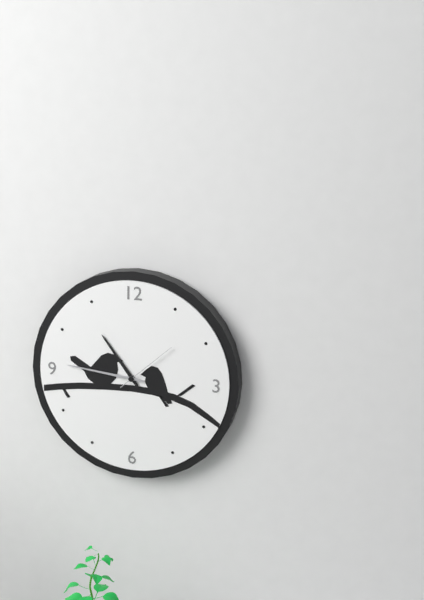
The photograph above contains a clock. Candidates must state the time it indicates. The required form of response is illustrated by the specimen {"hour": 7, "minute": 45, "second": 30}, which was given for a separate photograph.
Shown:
{"hour": 10, "minute": 46, "second": 8}
